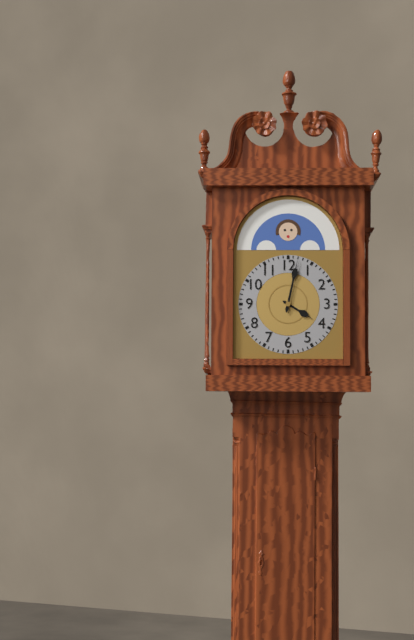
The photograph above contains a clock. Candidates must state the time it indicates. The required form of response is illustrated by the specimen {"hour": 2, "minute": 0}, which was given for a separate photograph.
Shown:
{"hour": 4, "minute": 2}
